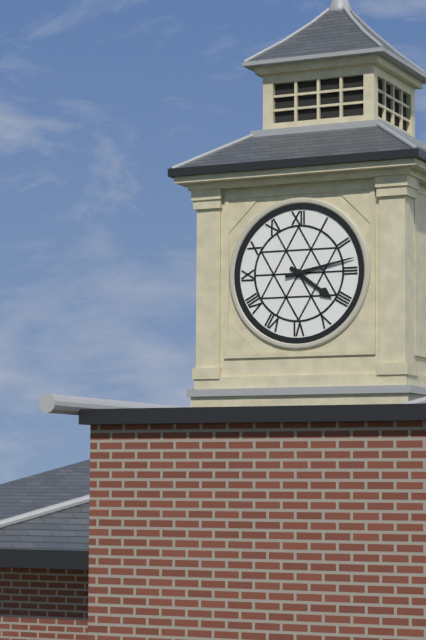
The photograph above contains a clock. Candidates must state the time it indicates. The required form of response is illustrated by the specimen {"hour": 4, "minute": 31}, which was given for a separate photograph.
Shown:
{"hour": 4, "minute": 13}
